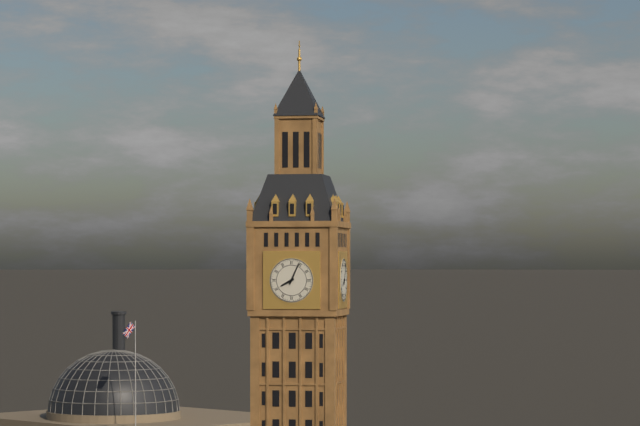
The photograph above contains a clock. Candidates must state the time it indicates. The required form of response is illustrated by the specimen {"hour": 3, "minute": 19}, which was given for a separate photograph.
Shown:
{"hour": 8, "minute": 4}
